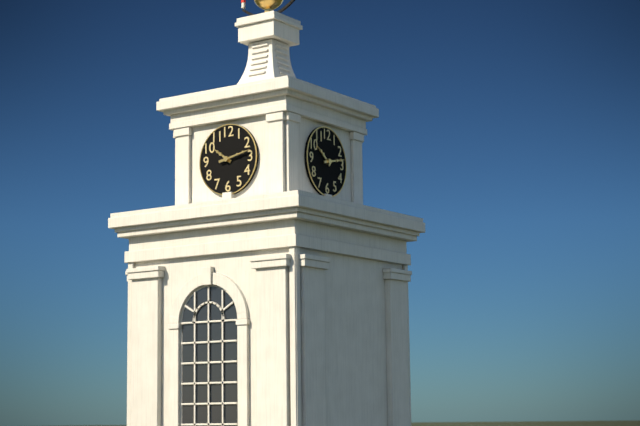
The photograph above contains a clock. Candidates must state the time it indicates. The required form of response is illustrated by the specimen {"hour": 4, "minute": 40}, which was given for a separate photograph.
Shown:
{"hour": 10, "minute": 13}
